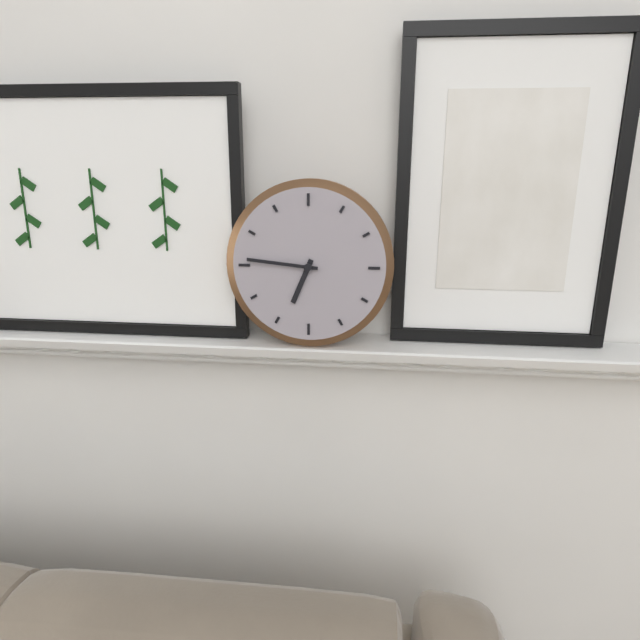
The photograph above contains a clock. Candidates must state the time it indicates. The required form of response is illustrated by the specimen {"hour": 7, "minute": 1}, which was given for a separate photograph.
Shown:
{"hour": 6, "minute": 46}
